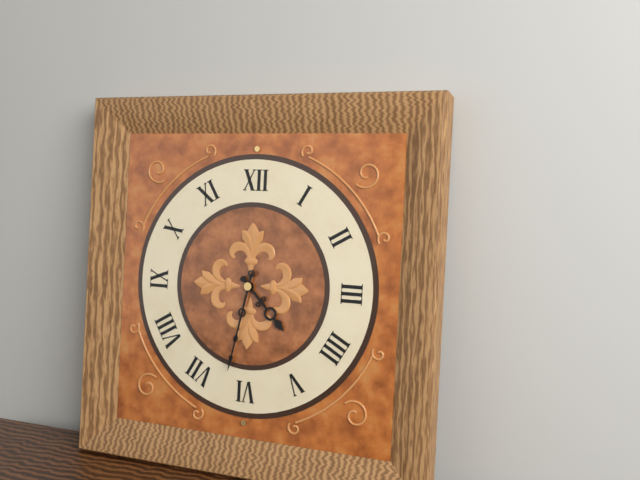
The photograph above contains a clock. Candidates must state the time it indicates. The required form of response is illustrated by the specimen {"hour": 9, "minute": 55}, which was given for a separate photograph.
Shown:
{"hour": 4, "minute": 32}
